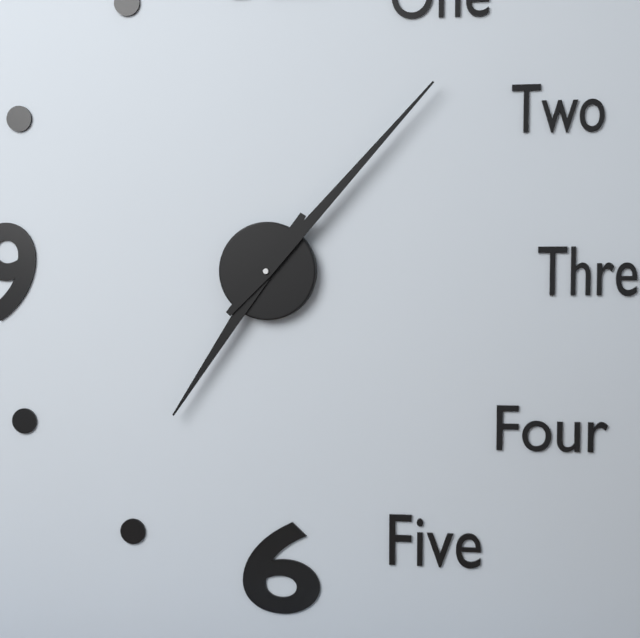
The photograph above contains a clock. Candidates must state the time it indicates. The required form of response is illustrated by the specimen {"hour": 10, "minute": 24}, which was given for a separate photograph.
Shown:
{"hour": 7, "minute": 7}
